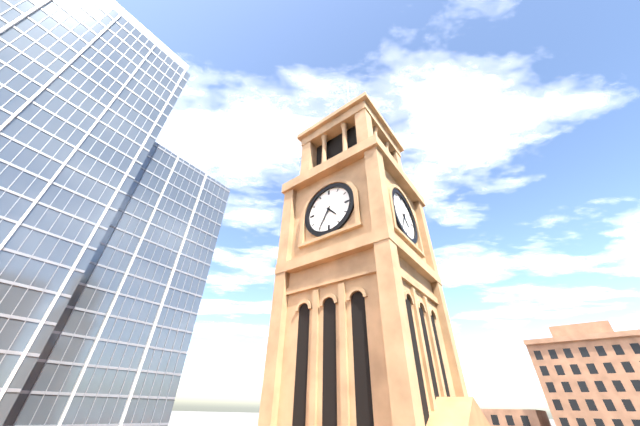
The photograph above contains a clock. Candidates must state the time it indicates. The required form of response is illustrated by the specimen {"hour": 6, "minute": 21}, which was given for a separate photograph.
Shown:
{"hour": 4, "minute": 35}
